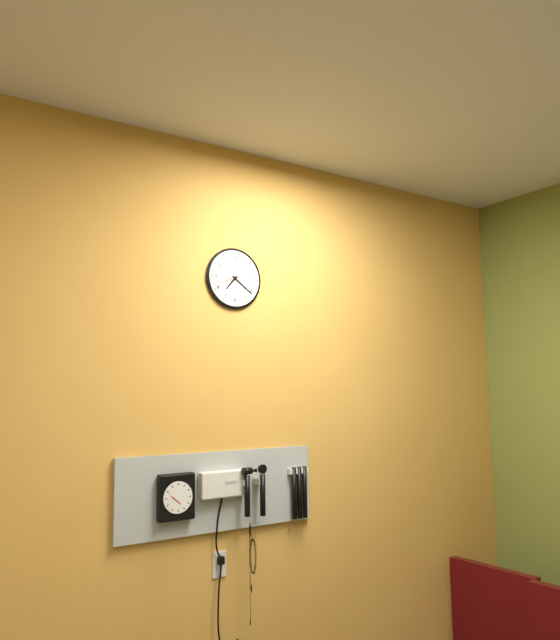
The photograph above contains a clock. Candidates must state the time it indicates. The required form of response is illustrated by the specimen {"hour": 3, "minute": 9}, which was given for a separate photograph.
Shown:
{"hour": 7, "minute": 21}
